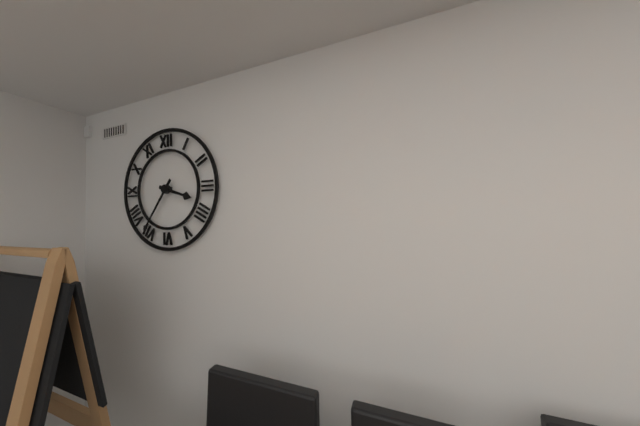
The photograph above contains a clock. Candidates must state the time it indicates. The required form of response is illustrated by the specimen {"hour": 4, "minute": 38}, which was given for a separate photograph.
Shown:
{"hour": 3, "minute": 36}
